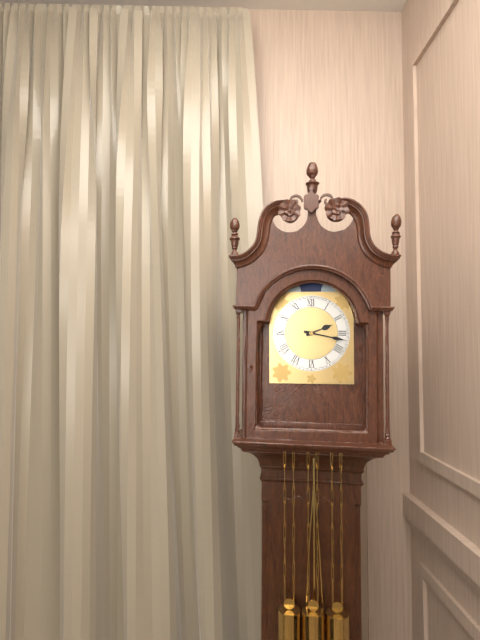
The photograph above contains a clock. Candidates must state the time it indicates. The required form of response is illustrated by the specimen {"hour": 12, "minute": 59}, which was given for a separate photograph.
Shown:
{"hour": 2, "minute": 17}
